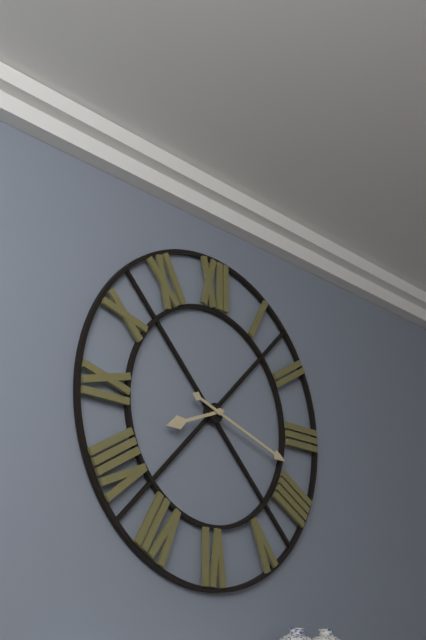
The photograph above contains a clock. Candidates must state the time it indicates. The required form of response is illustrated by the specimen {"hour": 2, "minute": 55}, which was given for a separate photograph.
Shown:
{"hour": 8, "minute": 18}
